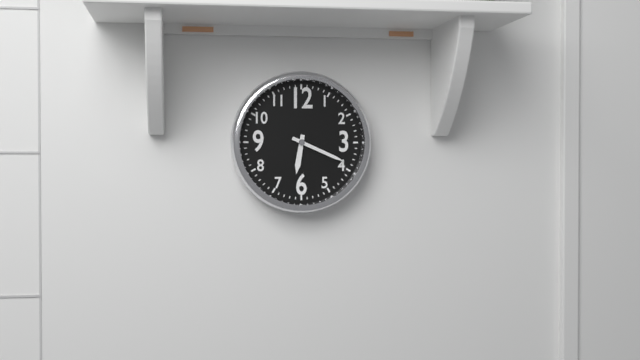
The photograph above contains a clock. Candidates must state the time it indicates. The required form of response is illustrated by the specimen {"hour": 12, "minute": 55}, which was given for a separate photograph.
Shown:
{"hour": 6, "minute": 19}
